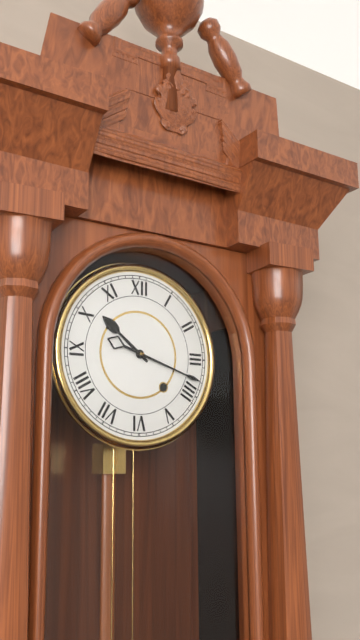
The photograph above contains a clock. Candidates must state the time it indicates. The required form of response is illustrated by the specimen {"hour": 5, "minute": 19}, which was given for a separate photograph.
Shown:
{"hour": 10, "minute": 18}
